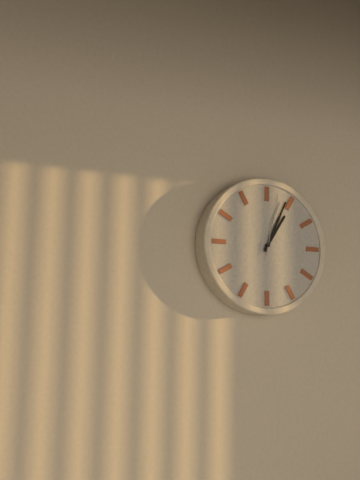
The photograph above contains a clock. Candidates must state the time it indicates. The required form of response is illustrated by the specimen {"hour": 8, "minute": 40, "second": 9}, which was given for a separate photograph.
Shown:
{"hour": 1, "minute": 4, "second": 2}
